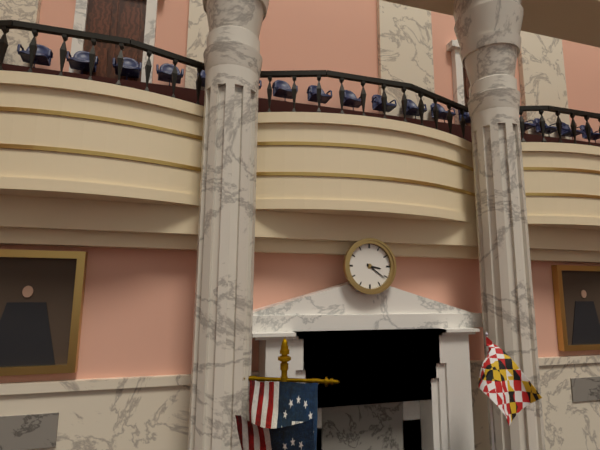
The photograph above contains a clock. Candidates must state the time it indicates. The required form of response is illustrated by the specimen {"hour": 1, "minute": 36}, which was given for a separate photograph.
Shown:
{"hour": 3, "minute": 21}
